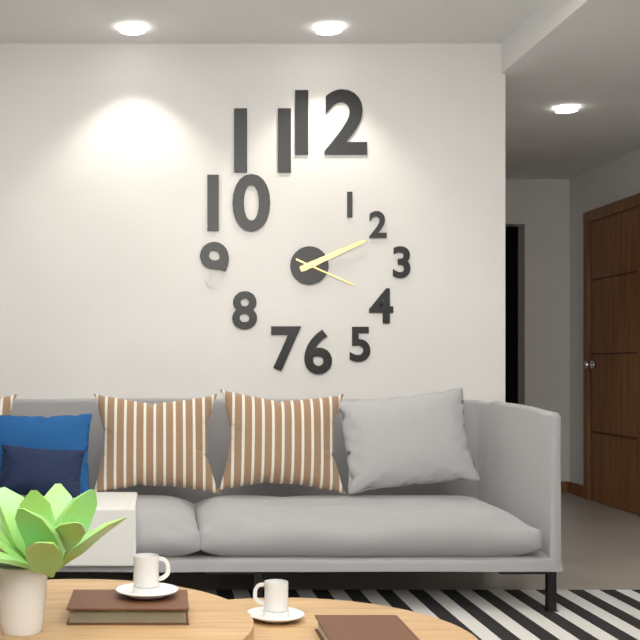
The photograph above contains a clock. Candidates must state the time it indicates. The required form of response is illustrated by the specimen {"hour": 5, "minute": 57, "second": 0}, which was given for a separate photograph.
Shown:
{"hour": 2, "minute": 11, "second": 19}
